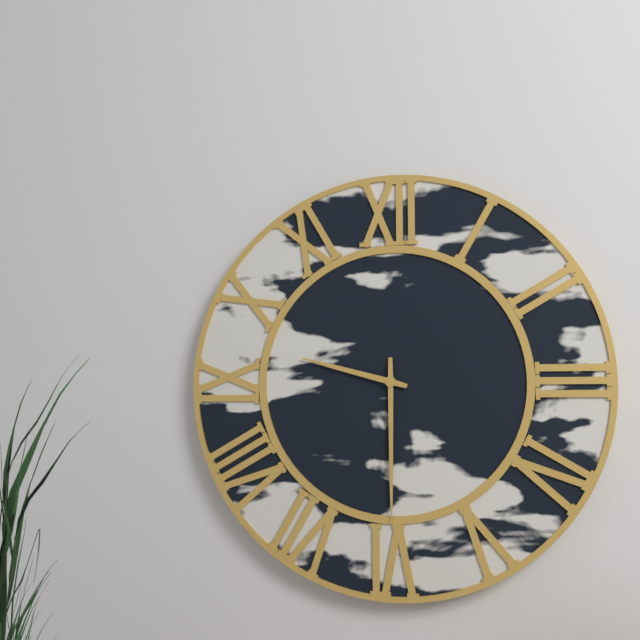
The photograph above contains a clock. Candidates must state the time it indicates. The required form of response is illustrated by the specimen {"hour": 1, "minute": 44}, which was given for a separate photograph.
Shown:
{"hour": 9, "minute": 30}
